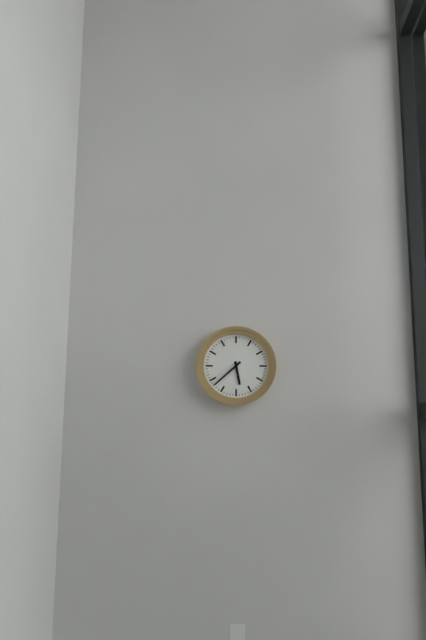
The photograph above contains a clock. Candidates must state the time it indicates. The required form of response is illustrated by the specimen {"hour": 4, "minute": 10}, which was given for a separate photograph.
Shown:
{"hour": 5, "minute": 38}
